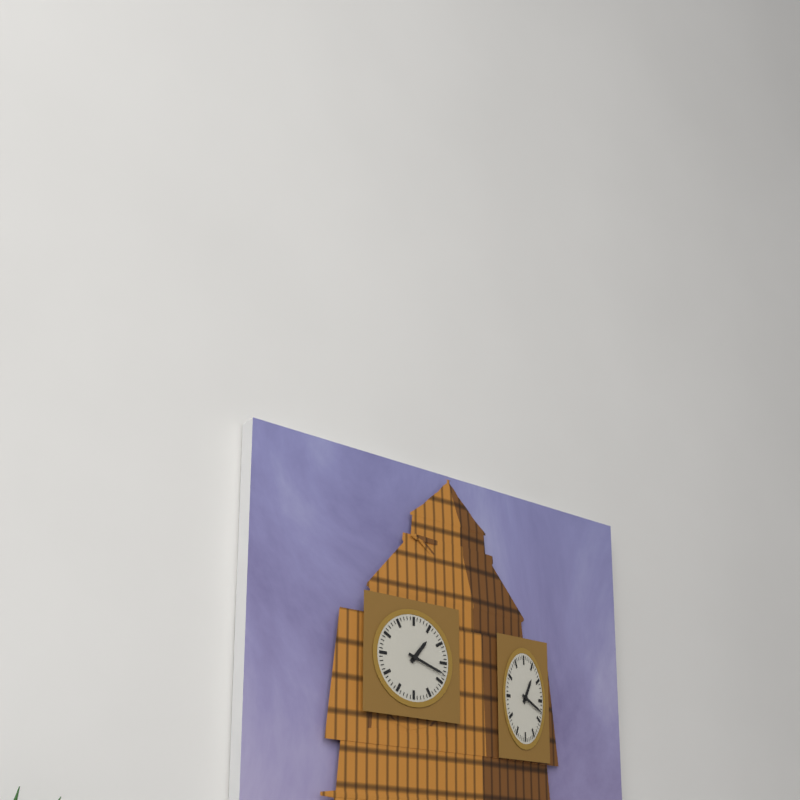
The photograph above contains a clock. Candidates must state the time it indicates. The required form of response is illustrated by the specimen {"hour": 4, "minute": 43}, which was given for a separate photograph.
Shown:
{"hour": 1, "minute": 18}
